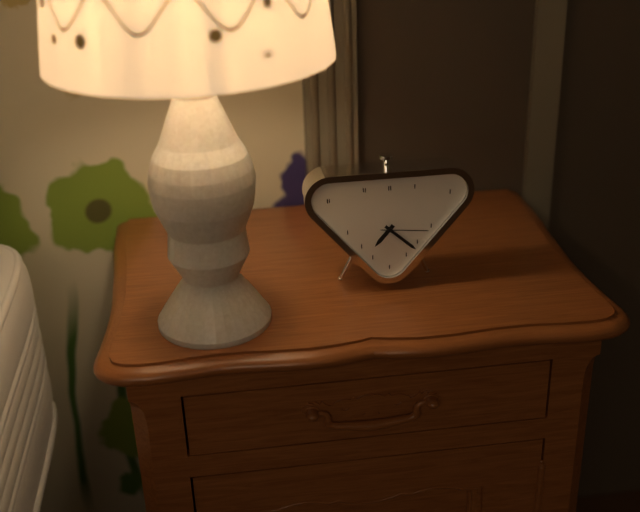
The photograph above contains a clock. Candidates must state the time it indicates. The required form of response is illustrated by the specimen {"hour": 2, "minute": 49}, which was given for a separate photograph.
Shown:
{"hour": 7, "minute": 22}
